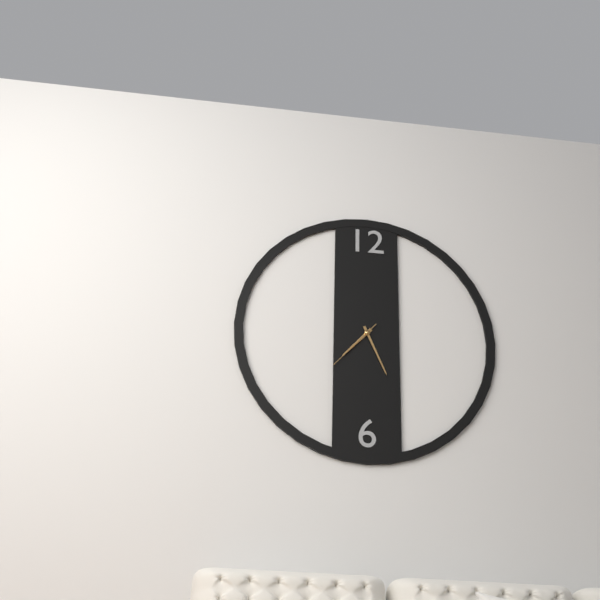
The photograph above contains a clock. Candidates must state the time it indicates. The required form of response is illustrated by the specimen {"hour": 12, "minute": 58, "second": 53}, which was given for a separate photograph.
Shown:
{"hour": 7, "minute": 26, "second": 37}
